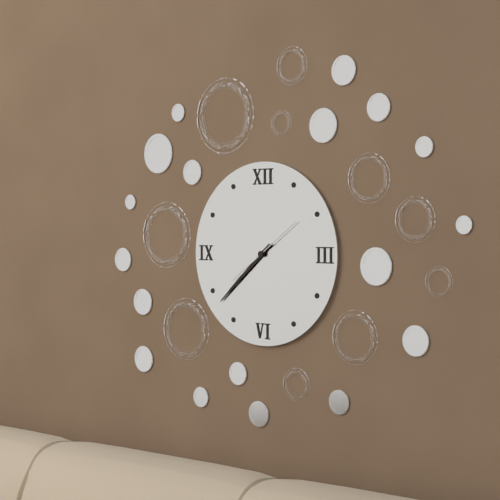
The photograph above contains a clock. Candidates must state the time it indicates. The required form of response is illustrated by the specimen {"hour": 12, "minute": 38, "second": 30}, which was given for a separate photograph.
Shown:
{"hour": 7, "minute": 38, "second": 9}
